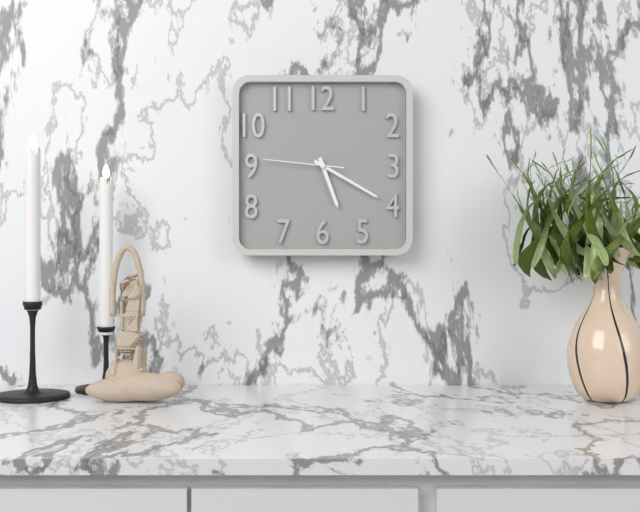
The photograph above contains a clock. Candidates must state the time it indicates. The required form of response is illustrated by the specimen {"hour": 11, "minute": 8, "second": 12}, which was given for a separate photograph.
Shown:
{"hour": 5, "minute": 20, "second": 46}
